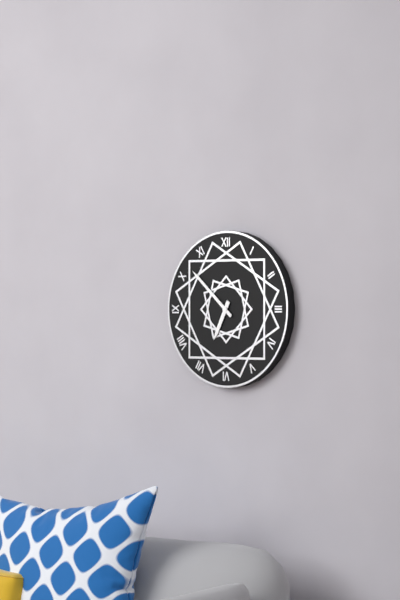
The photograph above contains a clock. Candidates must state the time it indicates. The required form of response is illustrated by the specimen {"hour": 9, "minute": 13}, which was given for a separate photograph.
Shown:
{"hour": 6, "minute": 52}
